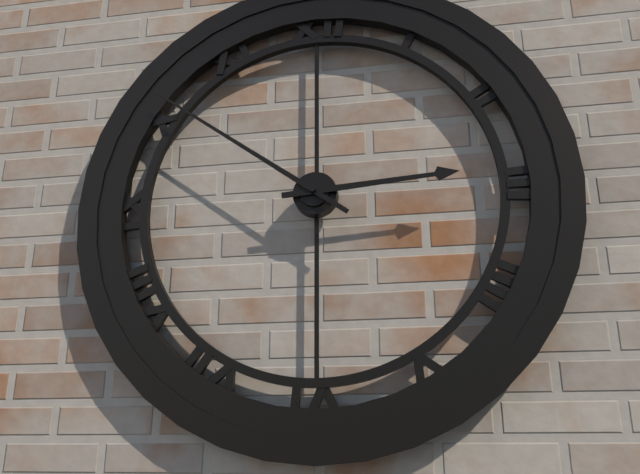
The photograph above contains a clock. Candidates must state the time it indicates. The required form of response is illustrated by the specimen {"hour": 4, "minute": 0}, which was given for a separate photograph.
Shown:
{"hour": 2, "minute": 51}
